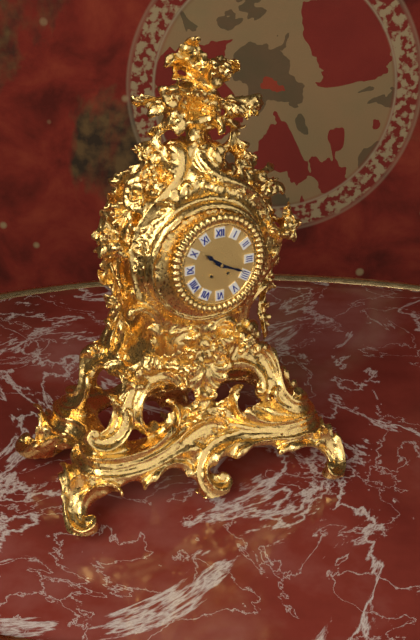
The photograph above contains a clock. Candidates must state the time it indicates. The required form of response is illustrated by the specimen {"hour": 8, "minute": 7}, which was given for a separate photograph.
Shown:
{"hour": 10, "minute": 19}
